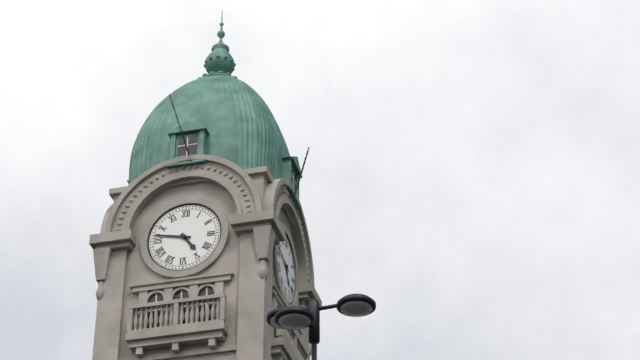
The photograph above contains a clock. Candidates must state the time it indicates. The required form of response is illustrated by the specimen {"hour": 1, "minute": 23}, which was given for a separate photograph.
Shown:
{"hour": 4, "minute": 47}
